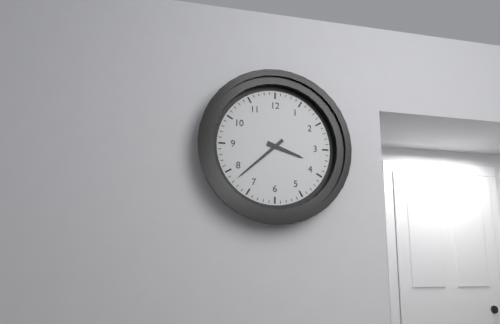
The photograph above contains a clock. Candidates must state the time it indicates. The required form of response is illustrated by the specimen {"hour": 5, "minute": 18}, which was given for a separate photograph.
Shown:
{"hour": 3, "minute": 38}
